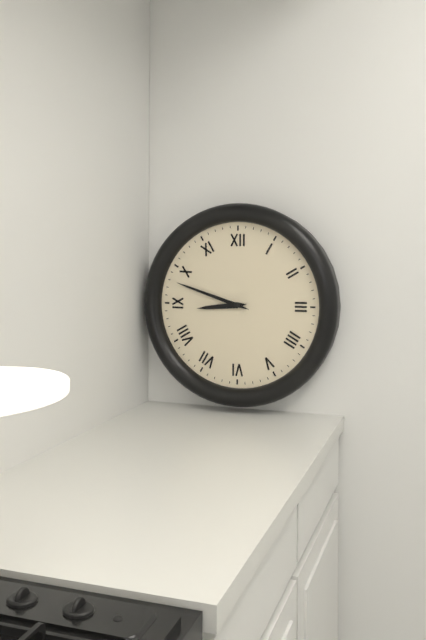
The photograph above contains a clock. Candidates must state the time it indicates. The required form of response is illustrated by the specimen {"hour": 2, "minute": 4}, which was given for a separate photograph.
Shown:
{"hour": 8, "minute": 48}
